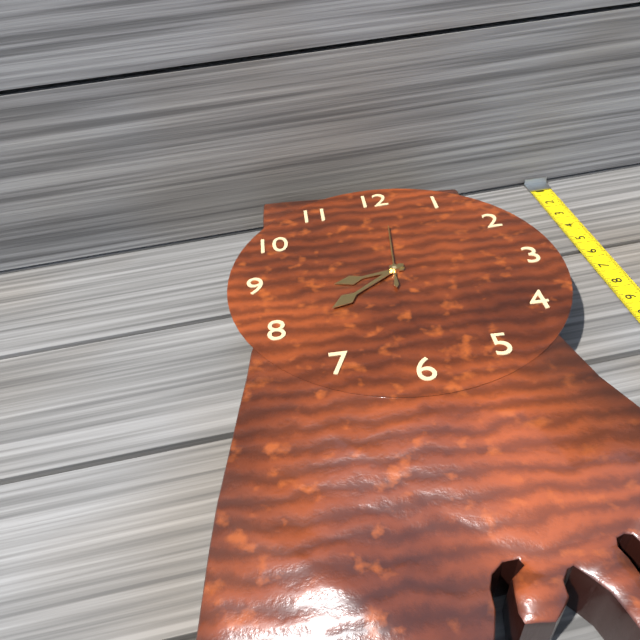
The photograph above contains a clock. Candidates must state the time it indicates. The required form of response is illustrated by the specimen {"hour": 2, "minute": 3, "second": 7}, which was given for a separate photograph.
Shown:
{"hour": 8, "minute": 39, "second": 1}
